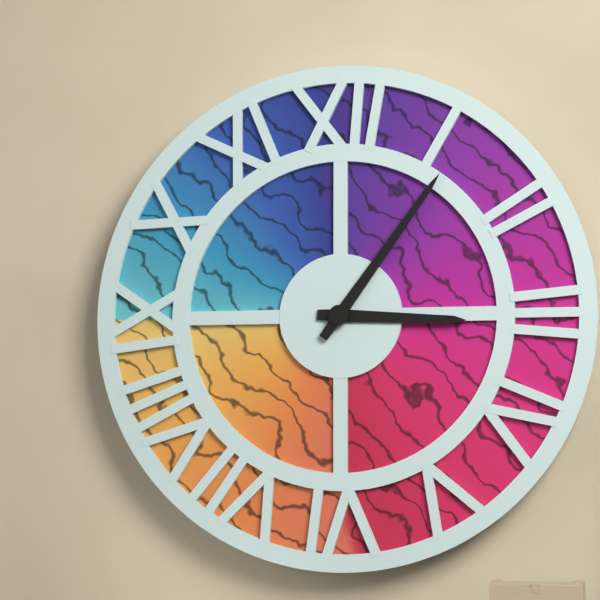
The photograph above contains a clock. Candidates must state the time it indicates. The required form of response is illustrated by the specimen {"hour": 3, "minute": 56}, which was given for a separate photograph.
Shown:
{"hour": 3, "minute": 6}
